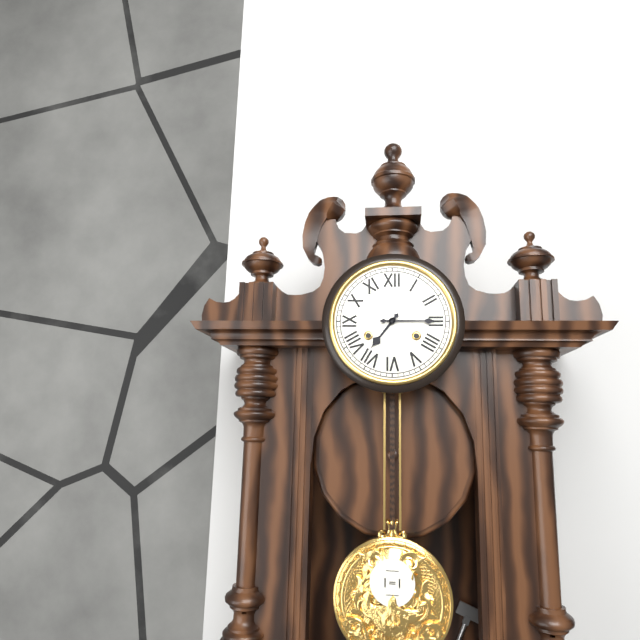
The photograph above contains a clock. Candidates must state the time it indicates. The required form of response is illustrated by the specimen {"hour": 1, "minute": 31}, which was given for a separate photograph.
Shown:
{"hour": 7, "minute": 15}
